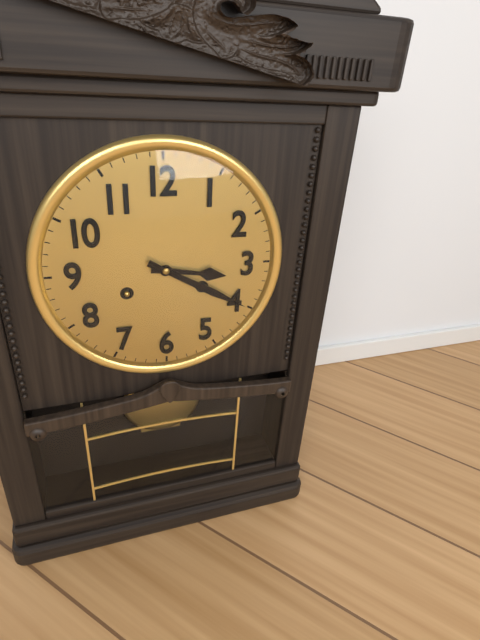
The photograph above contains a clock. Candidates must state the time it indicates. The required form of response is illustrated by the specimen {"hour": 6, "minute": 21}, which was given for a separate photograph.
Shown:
{"hour": 3, "minute": 20}
